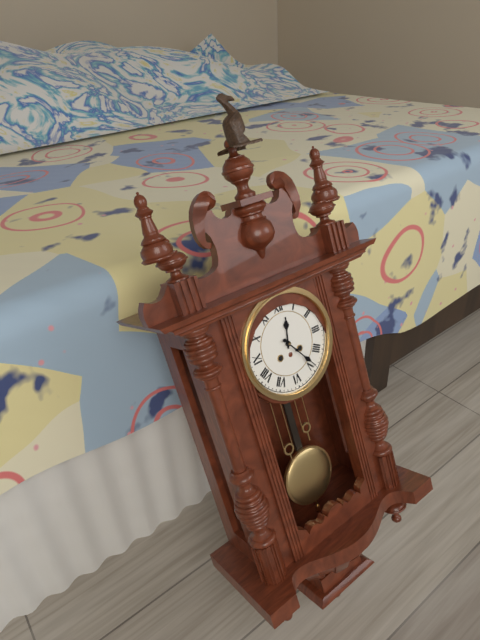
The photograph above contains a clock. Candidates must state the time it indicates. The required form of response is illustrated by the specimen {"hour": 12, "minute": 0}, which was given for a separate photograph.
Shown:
{"hour": 12, "minute": 24}
